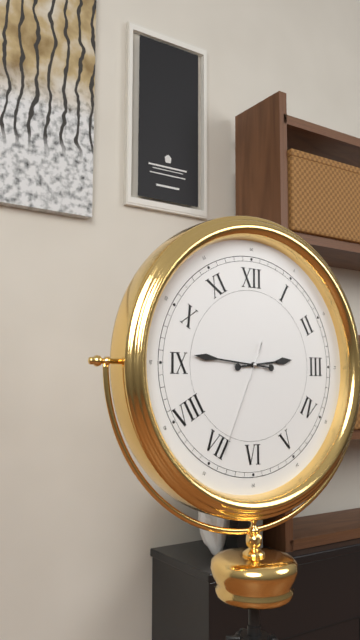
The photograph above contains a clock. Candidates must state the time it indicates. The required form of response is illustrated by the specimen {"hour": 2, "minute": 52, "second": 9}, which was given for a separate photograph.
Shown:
{"hour": 2, "minute": 46, "second": 34}
